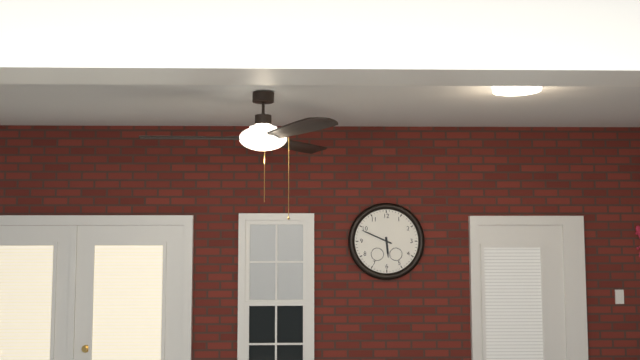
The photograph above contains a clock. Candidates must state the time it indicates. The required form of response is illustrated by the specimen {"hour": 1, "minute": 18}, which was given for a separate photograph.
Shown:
{"hour": 5, "minute": 49}
